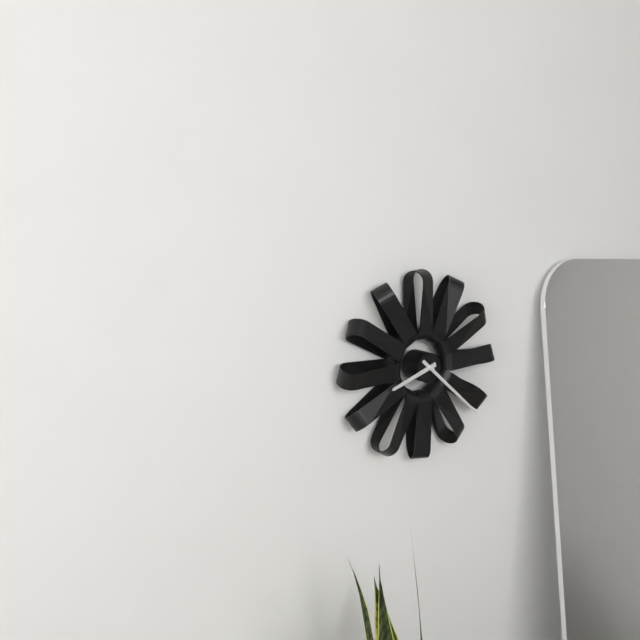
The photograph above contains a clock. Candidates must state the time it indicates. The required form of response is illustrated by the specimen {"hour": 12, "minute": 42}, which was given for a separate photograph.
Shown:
{"hour": 8, "minute": 22}
